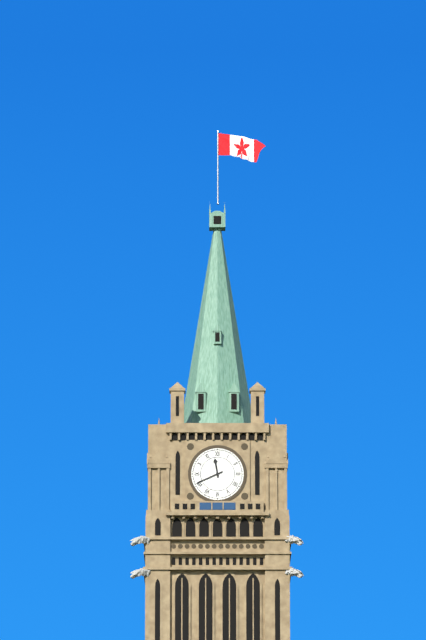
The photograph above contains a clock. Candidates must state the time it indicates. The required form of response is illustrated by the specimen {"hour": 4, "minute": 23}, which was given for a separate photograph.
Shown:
{"hour": 11, "minute": 41}
